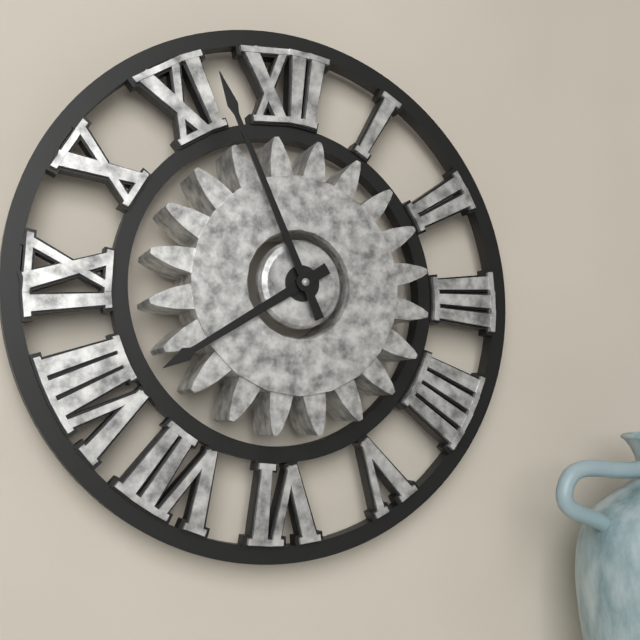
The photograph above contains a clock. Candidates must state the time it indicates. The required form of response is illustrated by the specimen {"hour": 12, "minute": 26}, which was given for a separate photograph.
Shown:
{"hour": 7, "minute": 56}
